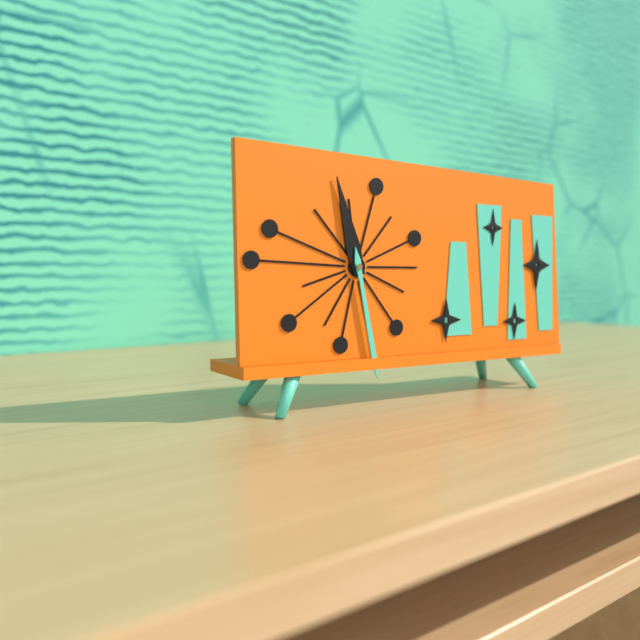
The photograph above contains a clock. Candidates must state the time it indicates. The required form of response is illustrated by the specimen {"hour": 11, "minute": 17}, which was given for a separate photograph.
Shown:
{"hour": 11, "minute": 28}
